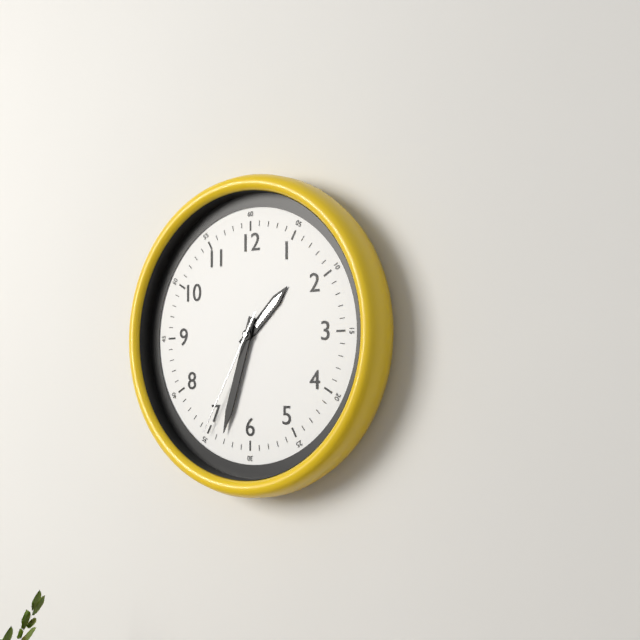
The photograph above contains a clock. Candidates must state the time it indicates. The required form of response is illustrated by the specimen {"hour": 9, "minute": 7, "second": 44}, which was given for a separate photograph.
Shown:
{"hour": 1, "minute": 33, "second": 35}
